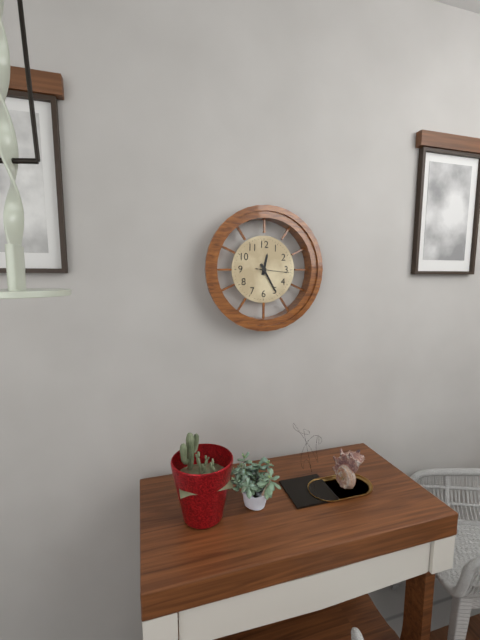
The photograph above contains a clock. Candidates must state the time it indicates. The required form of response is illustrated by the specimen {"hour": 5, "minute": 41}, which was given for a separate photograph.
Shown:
{"hour": 12, "minute": 25}
